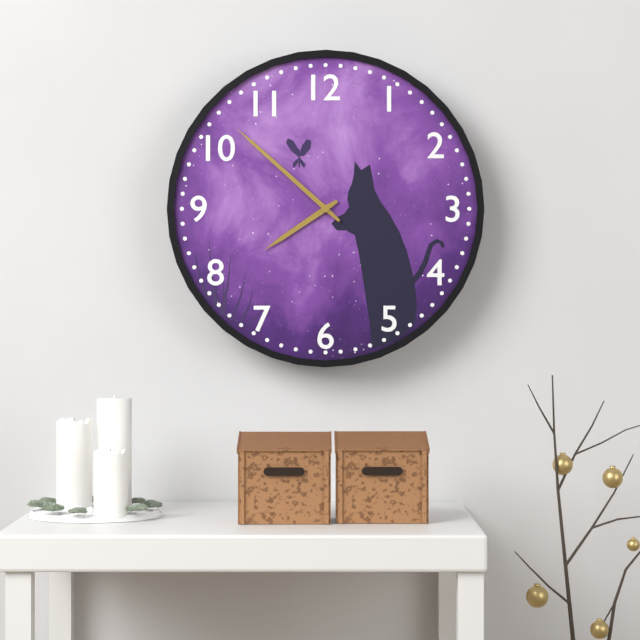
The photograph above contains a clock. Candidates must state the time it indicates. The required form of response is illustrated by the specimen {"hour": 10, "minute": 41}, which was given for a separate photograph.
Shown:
{"hour": 7, "minute": 52}
